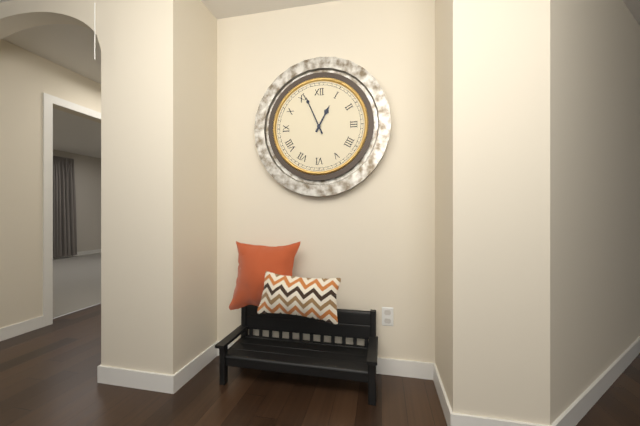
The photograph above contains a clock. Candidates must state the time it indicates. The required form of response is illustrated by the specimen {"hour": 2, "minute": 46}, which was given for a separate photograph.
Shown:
{"hour": 12, "minute": 56}
